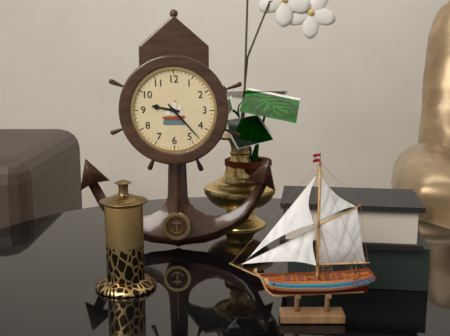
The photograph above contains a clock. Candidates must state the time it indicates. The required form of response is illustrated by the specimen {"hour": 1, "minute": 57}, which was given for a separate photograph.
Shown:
{"hour": 9, "minute": 23}
